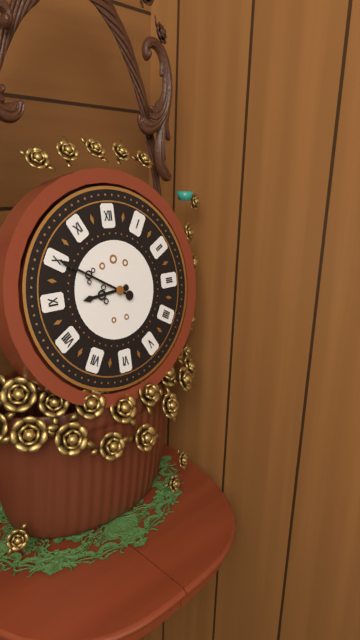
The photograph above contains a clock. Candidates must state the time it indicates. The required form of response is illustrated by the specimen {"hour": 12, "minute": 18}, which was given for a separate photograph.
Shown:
{"hour": 8, "minute": 50}
